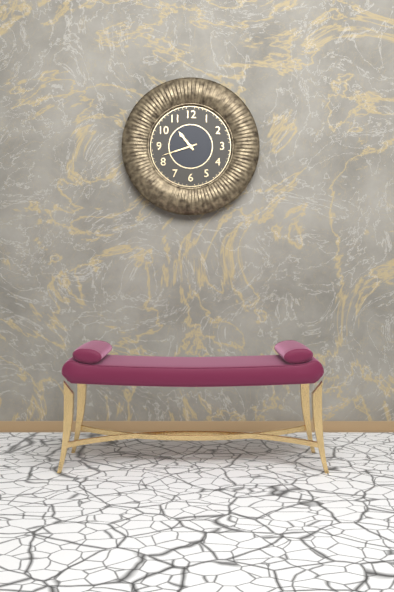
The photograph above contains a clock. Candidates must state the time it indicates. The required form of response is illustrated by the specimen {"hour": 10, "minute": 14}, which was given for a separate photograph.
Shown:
{"hour": 10, "minute": 42}
